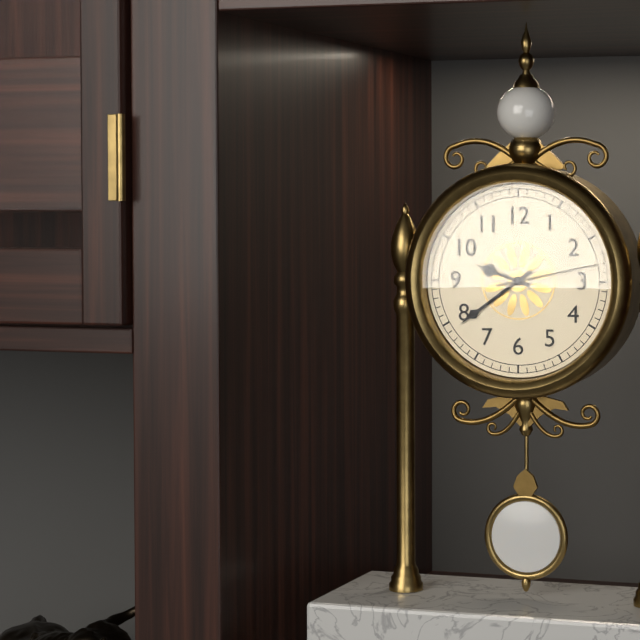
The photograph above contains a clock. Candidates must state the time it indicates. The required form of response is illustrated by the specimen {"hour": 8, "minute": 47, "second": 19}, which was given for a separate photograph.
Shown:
{"hour": 9, "minute": 39, "second": 13}
